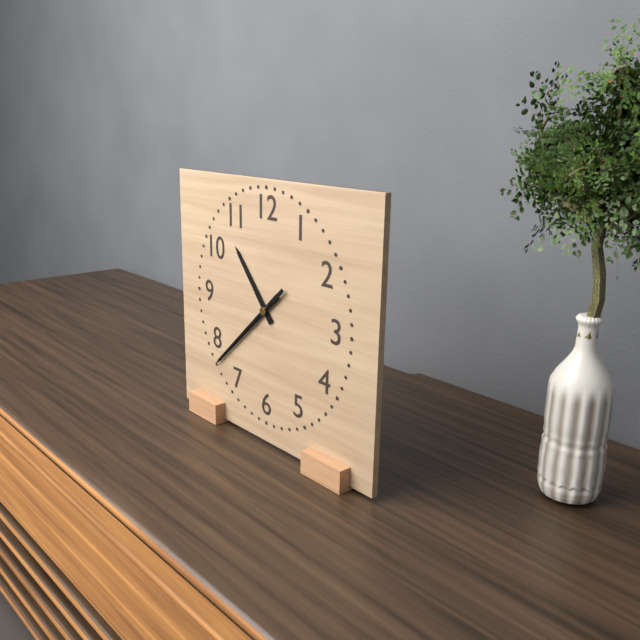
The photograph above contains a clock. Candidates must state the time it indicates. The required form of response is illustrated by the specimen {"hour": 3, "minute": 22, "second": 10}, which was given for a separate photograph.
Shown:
{"hour": 10, "minute": 38, "second": 38}
